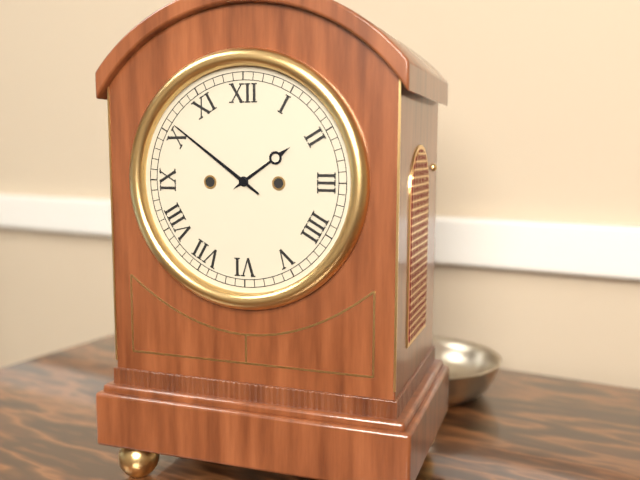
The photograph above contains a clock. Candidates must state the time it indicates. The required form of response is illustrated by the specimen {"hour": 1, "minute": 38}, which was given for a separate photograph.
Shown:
{"hour": 1, "minute": 51}
